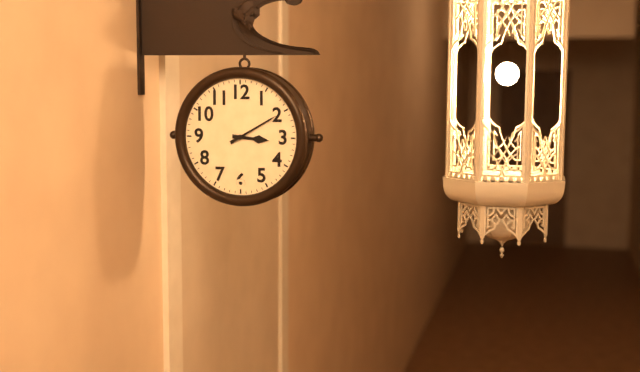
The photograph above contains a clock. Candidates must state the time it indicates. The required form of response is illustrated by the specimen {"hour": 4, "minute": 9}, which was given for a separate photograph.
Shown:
{"hour": 3, "minute": 10}
